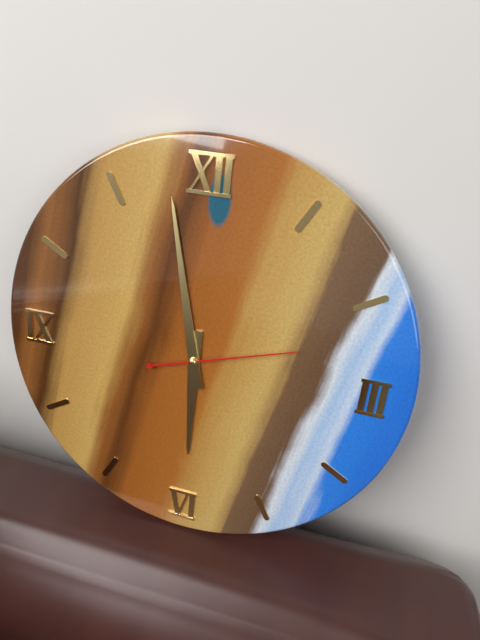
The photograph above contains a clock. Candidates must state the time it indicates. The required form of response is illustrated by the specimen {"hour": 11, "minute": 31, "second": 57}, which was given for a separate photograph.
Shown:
{"hour": 5, "minute": 58, "second": 12}
